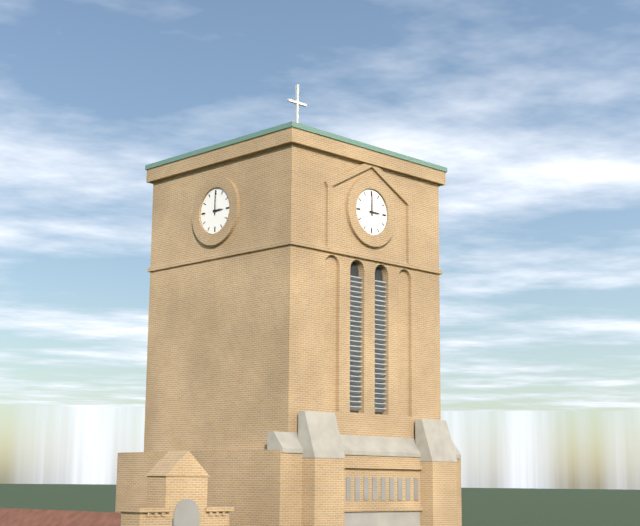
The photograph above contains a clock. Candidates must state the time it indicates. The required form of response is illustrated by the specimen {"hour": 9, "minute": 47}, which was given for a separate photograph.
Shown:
{"hour": 3, "minute": 0}
